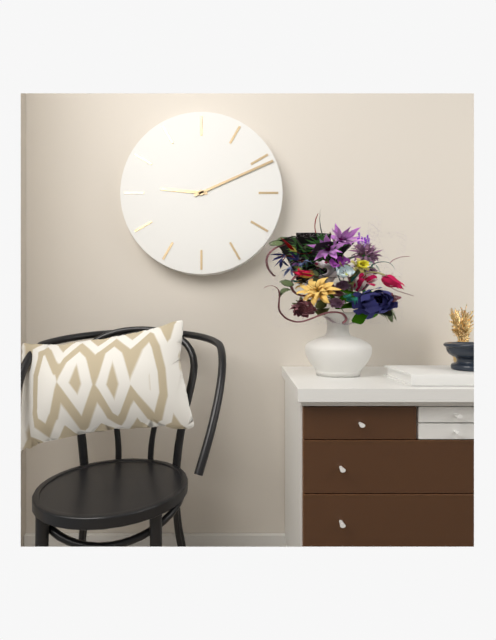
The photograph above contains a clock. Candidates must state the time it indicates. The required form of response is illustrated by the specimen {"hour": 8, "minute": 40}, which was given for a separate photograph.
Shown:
{"hour": 9, "minute": 11}
